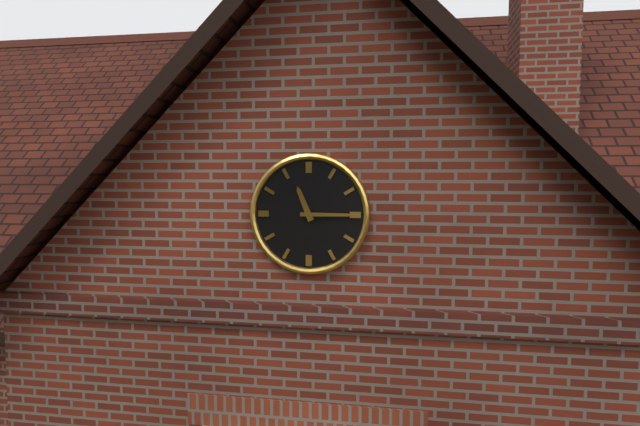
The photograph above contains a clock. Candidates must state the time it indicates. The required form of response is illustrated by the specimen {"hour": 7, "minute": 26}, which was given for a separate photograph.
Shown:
{"hour": 11, "minute": 15}
